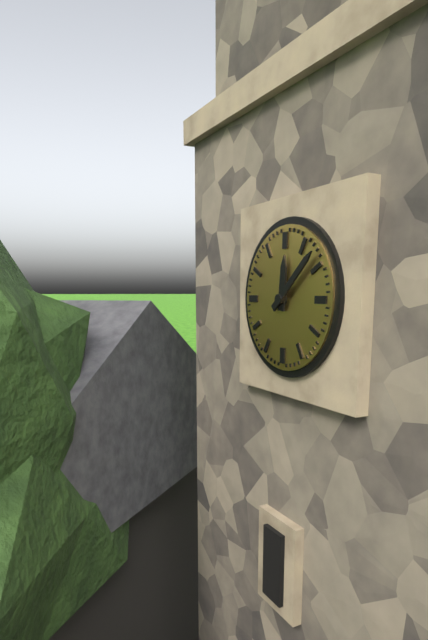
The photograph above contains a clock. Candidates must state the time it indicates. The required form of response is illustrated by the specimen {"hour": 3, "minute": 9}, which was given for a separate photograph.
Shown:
{"hour": 12, "minute": 8}
